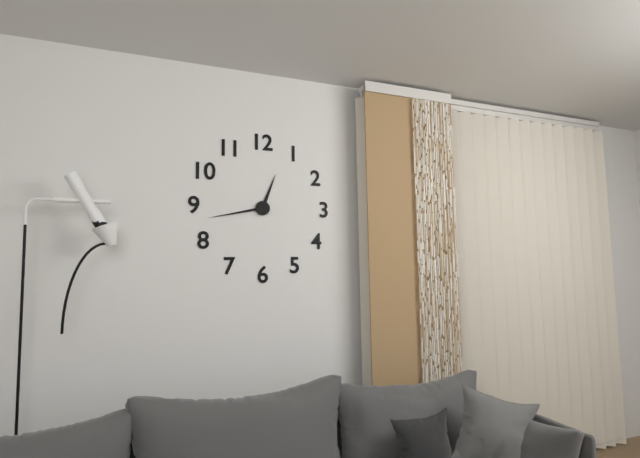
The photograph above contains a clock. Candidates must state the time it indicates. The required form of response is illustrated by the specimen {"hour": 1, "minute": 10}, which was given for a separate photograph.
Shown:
{"hour": 12, "minute": 43}
